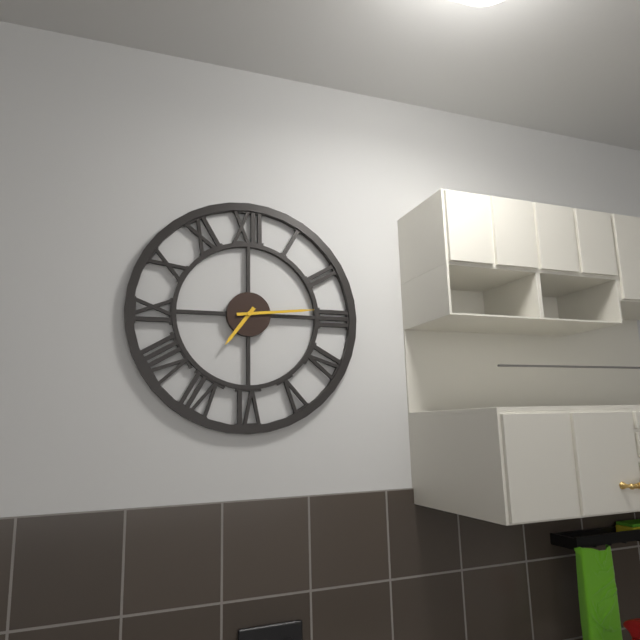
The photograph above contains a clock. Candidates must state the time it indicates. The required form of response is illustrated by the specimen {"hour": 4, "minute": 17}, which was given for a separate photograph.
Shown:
{"hour": 7, "minute": 14}
